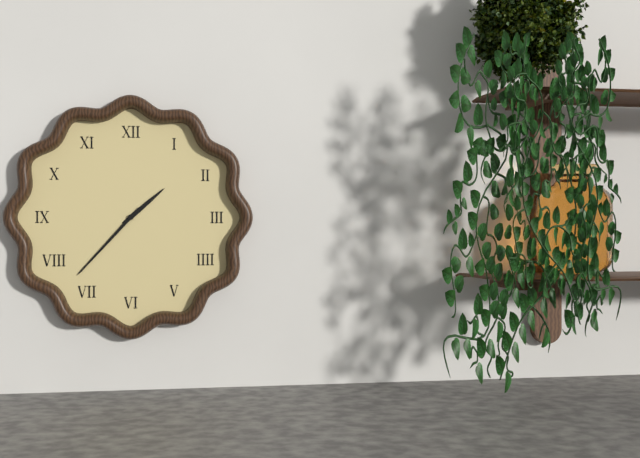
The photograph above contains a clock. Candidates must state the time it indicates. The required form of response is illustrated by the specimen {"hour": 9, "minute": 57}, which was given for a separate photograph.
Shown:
{"hour": 1, "minute": 37}
